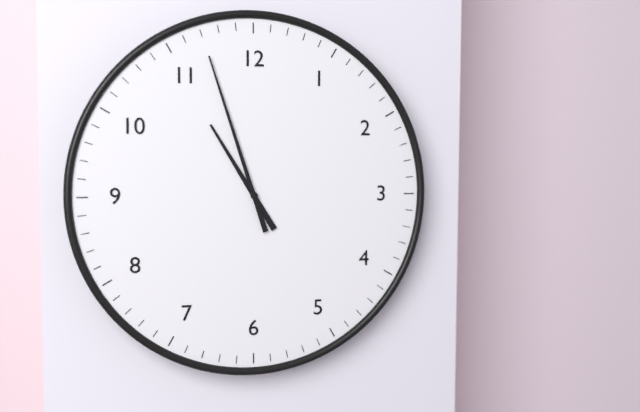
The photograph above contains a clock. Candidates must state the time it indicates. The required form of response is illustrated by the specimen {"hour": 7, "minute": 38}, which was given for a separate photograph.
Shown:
{"hour": 10, "minute": 57}
